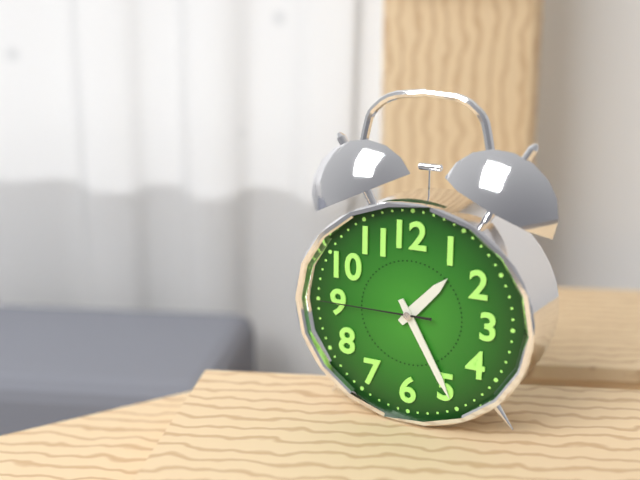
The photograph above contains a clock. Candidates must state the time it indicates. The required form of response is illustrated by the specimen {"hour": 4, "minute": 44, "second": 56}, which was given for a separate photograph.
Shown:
{"hour": 1, "minute": 25, "second": 45}
